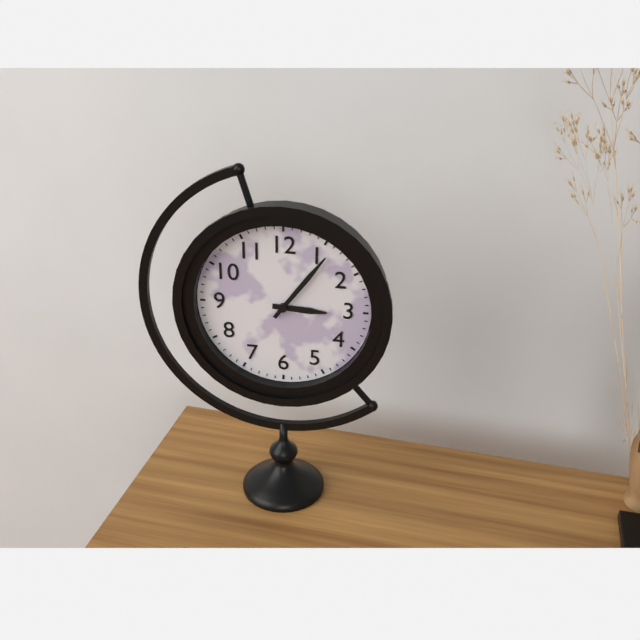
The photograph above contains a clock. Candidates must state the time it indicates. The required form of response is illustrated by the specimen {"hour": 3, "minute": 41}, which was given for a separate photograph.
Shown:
{"hour": 3, "minute": 6}
